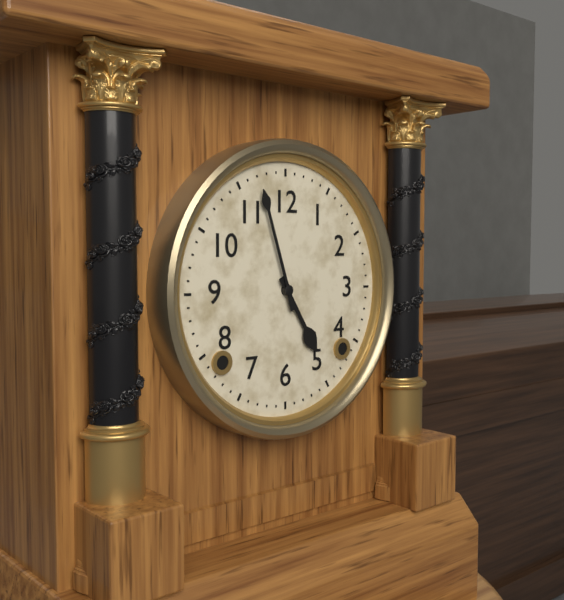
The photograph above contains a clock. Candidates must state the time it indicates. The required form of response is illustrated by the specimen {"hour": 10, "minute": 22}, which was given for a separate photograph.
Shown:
{"hour": 4, "minute": 57}
